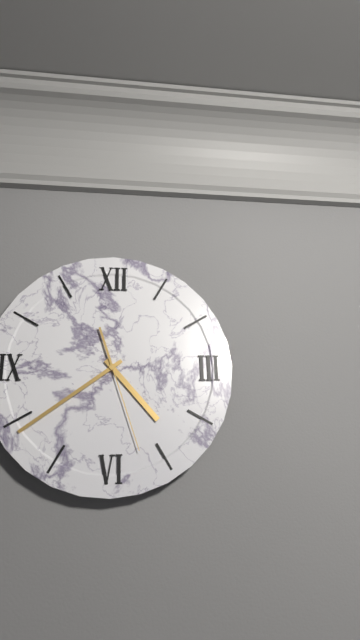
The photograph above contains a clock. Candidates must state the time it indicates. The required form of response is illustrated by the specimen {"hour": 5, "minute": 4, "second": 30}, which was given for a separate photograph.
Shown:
{"hour": 4, "minute": 39, "second": 27}
